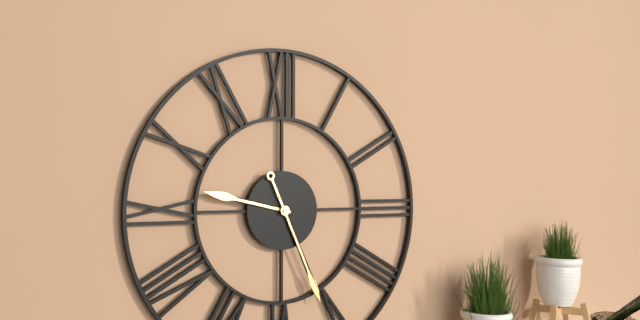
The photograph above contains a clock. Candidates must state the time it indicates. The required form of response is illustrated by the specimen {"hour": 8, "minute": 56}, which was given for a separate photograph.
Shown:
{"hour": 9, "minute": 26}
